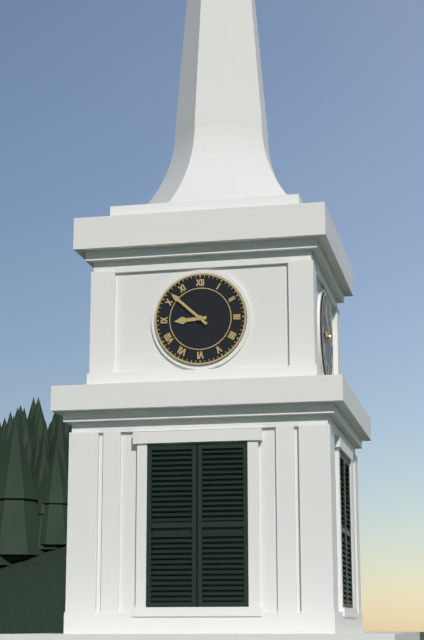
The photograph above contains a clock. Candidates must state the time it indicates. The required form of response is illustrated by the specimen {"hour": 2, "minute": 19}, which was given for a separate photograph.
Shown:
{"hour": 8, "minute": 52}
